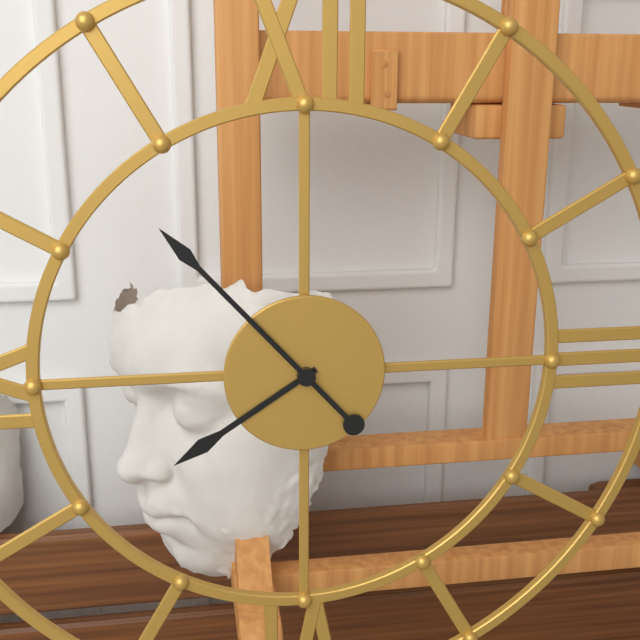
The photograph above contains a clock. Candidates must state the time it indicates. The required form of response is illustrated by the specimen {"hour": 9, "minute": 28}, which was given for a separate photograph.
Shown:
{"hour": 7, "minute": 53}
